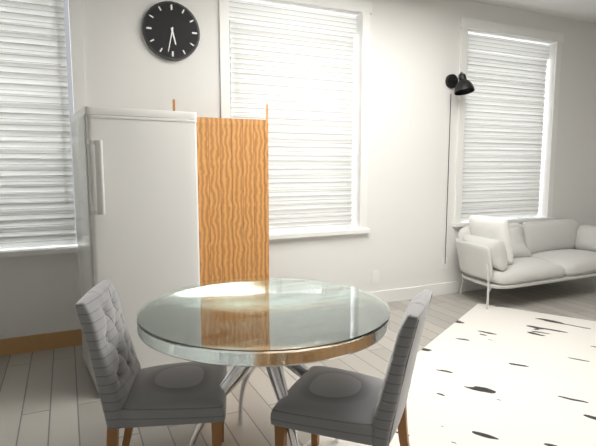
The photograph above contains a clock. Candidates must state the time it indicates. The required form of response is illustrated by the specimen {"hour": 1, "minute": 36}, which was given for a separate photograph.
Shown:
{"hour": 5, "minute": 32}
